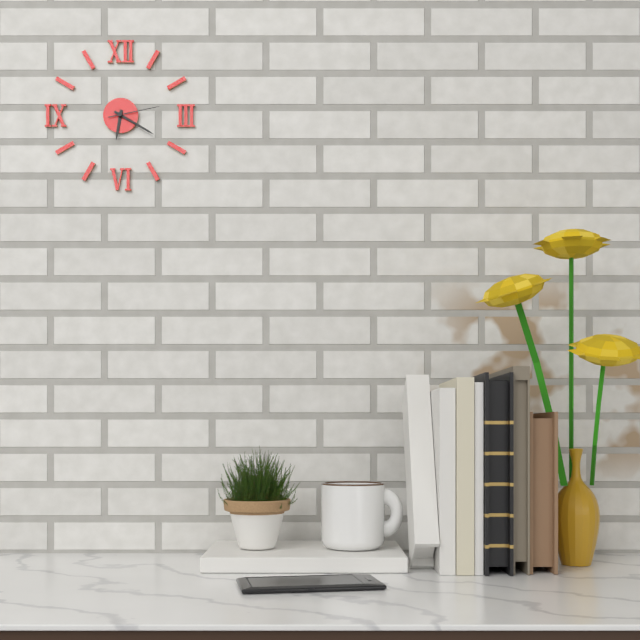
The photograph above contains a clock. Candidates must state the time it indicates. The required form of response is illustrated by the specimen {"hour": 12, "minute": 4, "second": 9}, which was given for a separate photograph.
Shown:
{"hour": 6, "minute": 20, "second": 13}
